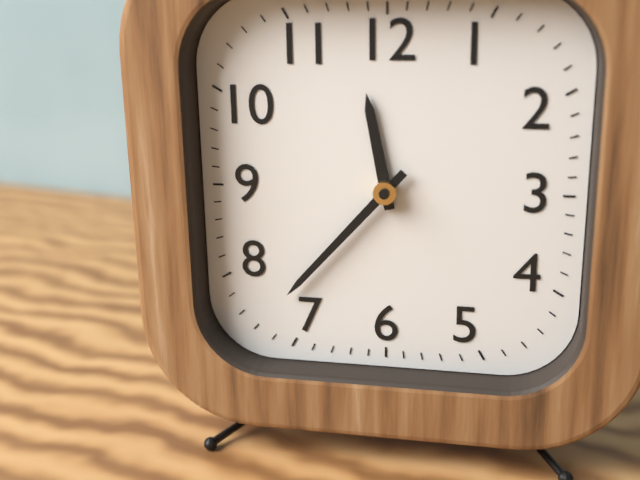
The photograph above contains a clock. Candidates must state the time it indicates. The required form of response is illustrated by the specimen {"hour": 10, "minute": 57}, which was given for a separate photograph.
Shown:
{"hour": 11, "minute": 37}
